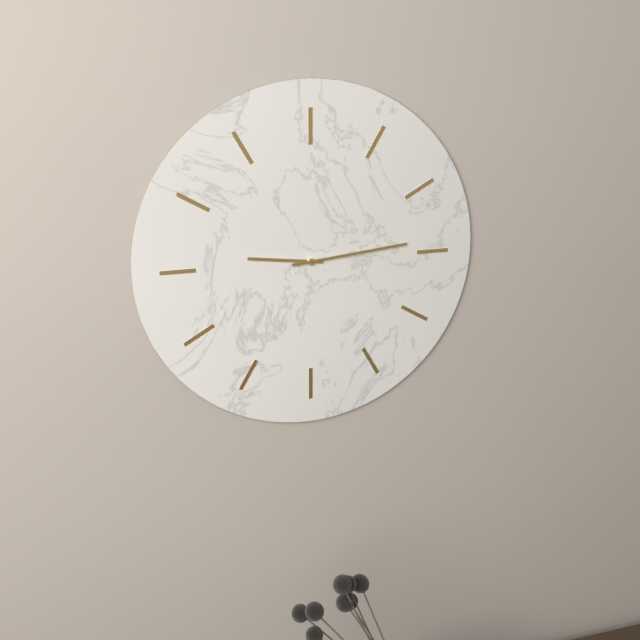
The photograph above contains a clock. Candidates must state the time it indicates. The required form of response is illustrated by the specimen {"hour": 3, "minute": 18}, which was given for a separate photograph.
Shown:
{"hour": 9, "minute": 14}
